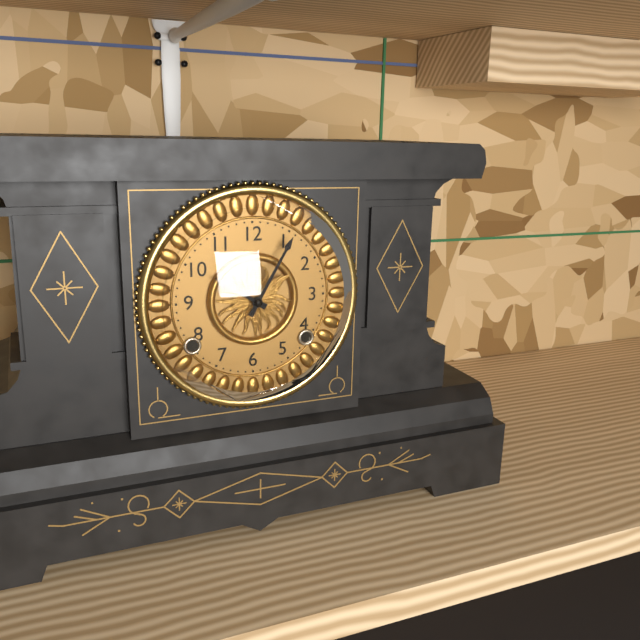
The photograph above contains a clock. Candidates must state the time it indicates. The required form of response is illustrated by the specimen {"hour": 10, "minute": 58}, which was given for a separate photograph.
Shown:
{"hour": 10, "minute": 5}
